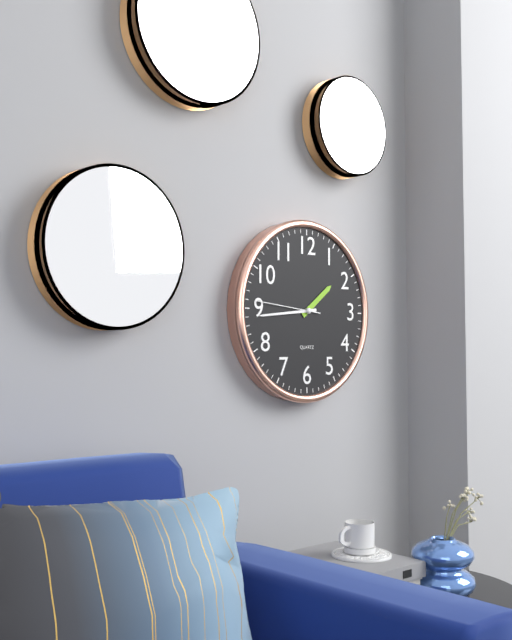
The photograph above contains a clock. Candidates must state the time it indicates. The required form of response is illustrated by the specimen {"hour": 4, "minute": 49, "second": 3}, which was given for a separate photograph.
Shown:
{"hour": 1, "minute": 44, "second": 46}
